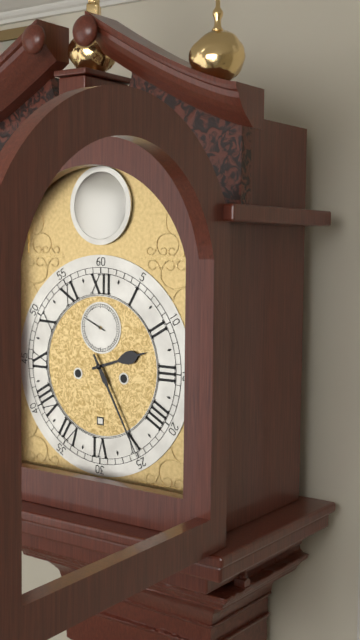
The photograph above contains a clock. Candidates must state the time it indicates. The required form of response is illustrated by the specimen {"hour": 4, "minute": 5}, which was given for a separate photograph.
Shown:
{"hour": 2, "minute": 25}
